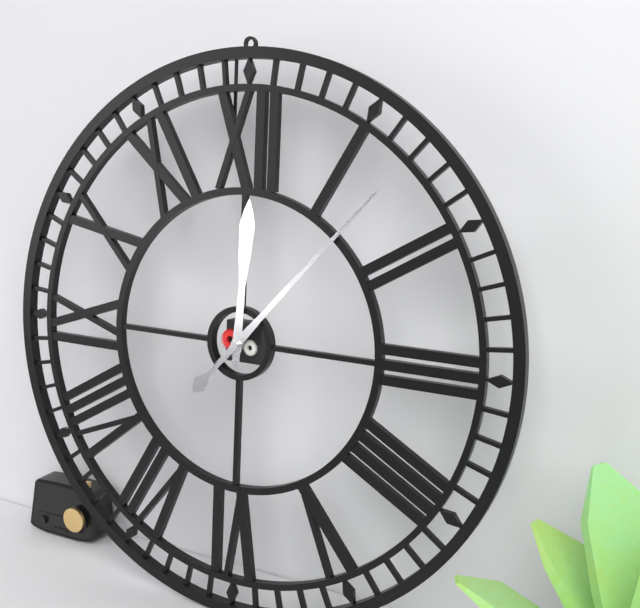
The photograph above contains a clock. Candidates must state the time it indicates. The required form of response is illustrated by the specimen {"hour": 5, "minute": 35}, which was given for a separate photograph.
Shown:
{"hour": 12, "minute": 7}
